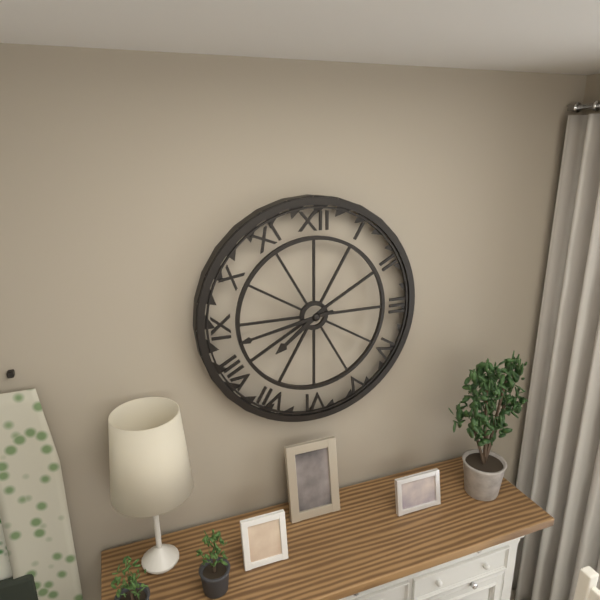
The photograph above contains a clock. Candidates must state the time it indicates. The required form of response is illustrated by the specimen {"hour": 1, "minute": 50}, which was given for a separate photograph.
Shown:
{"hour": 7, "minute": 43}
